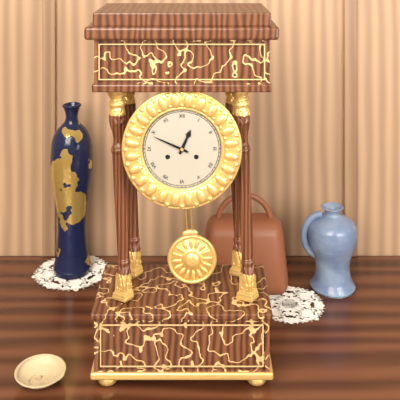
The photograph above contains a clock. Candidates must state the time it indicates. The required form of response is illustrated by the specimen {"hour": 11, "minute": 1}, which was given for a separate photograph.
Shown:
{"hour": 12, "minute": 49}
